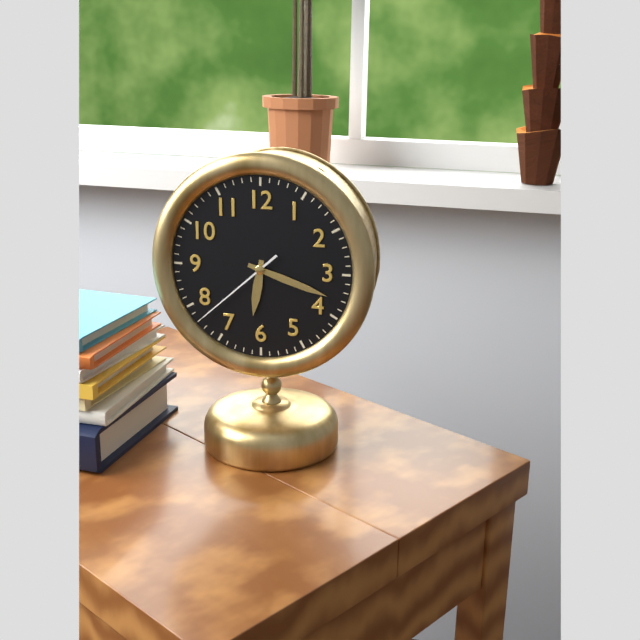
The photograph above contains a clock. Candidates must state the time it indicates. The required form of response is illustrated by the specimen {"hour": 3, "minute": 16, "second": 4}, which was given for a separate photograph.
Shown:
{"hour": 6, "minute": 18, "second": 38}
